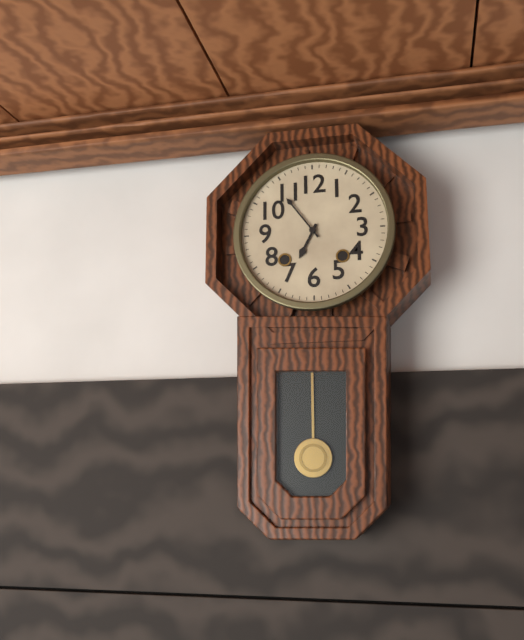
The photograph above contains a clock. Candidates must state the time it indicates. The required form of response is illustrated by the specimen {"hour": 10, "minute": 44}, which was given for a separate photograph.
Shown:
{"hour": 6, "minute": 54}
